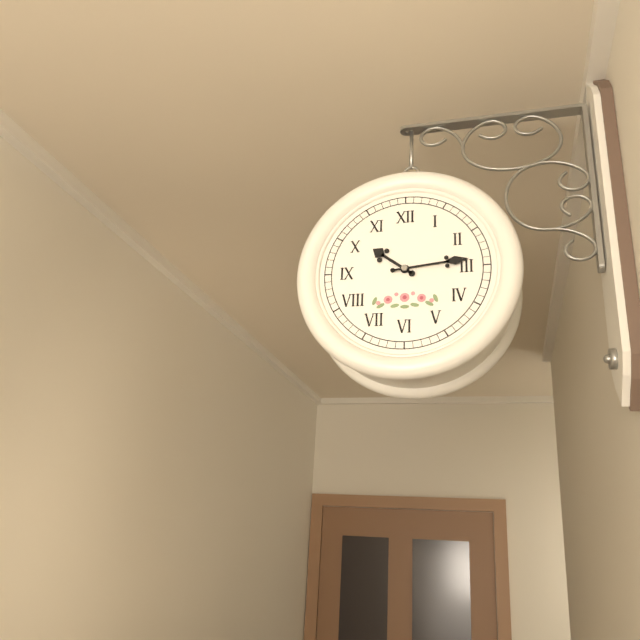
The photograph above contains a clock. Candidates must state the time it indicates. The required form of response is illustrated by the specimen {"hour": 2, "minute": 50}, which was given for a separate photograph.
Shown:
{"hour": 10, "minute": 14}
